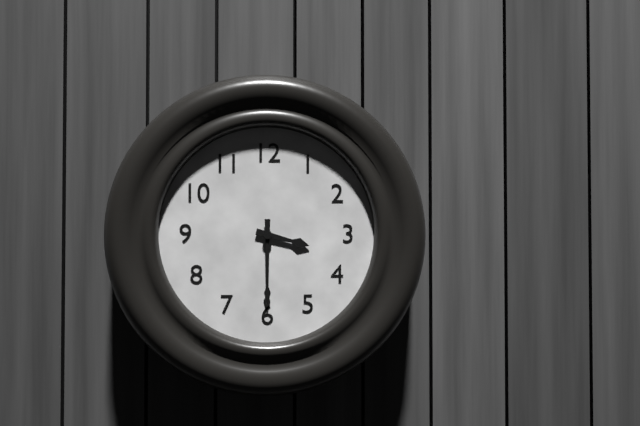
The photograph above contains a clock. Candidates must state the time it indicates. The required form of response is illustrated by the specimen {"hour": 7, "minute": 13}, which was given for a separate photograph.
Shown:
{"hour": 3, "minute": 30}
